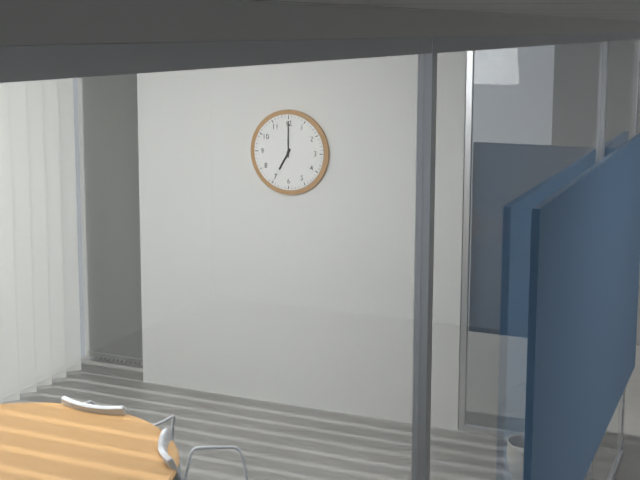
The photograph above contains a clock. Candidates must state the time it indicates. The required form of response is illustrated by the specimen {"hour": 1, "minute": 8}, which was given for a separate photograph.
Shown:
{"hour": 7, "minute": 0}
